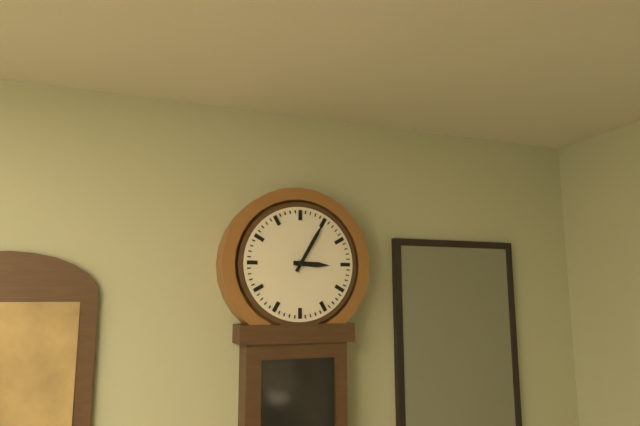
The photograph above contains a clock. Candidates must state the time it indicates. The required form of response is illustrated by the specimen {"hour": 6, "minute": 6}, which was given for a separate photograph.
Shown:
{"hour": 3, "minute": 5}
